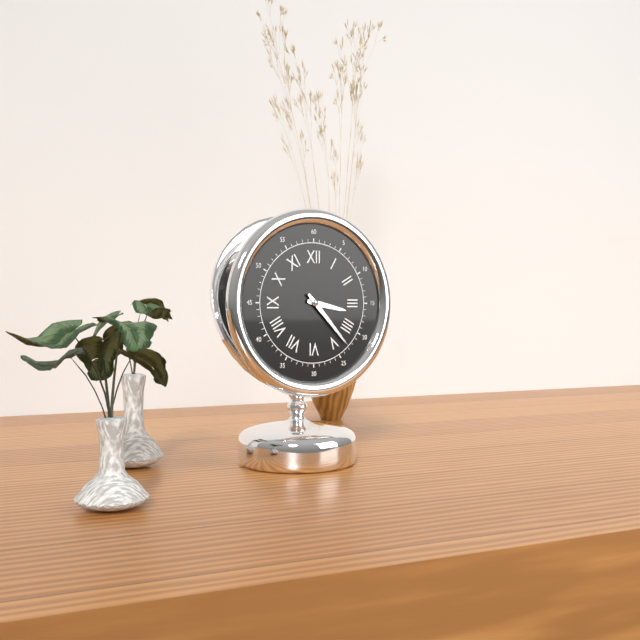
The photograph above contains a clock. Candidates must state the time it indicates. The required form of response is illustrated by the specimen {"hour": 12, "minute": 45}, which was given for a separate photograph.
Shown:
{"hour": 3, "minute": 23}
